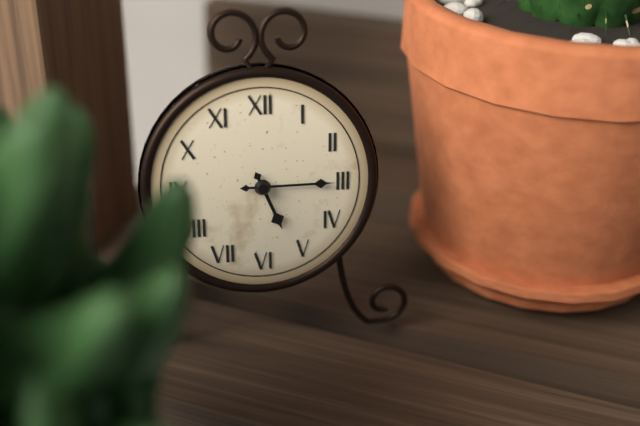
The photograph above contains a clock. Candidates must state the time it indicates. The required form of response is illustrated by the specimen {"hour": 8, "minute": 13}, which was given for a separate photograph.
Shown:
{"hour": 5, "minute": 15}
